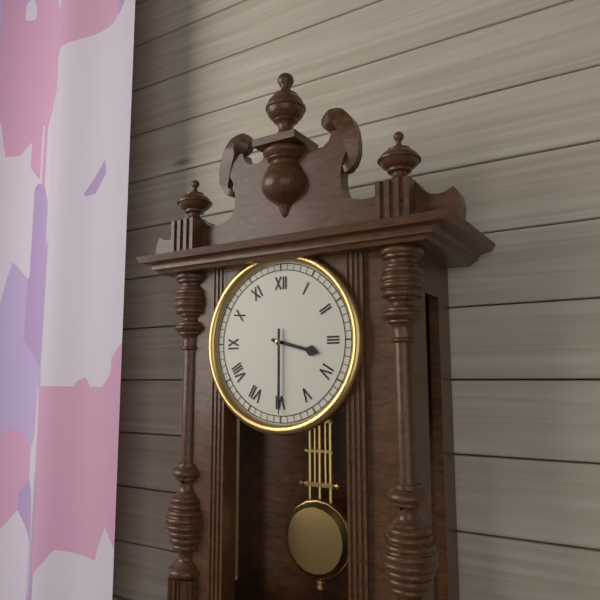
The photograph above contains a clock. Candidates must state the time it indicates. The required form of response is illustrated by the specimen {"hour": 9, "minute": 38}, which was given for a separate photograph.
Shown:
{"hour": 3, "minute": 30}
